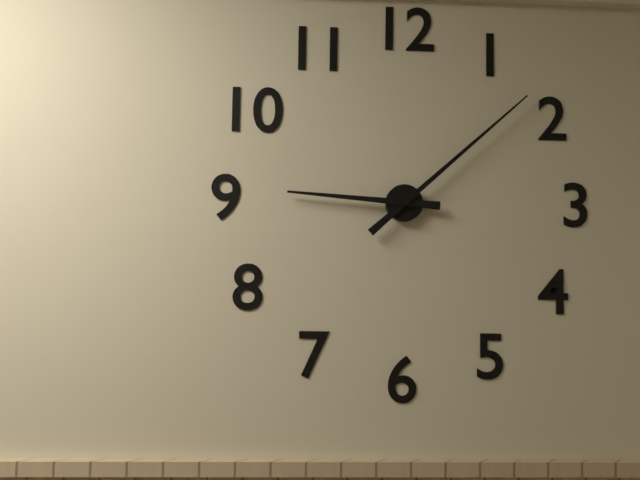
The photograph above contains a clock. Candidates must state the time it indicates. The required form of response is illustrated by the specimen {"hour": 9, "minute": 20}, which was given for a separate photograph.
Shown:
{"hour": 9, "minute": 8}
